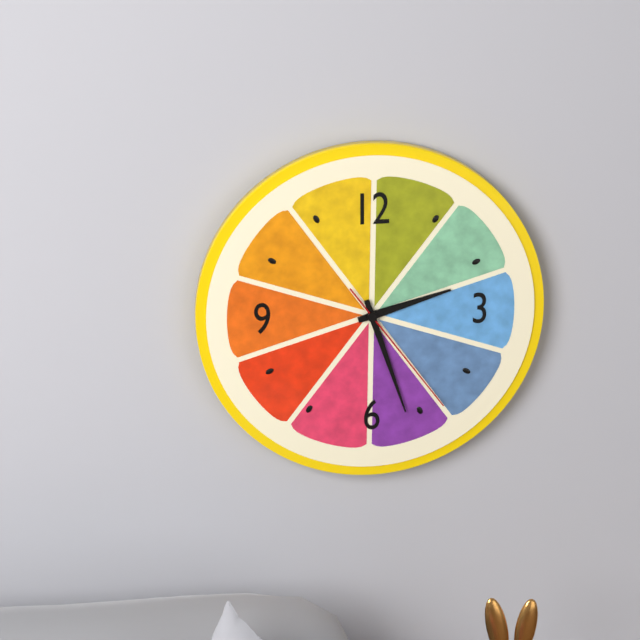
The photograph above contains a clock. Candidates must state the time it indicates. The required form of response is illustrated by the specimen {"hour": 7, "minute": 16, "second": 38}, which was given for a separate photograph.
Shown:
{"hour": 2, "minute": 27, "second": 24}
